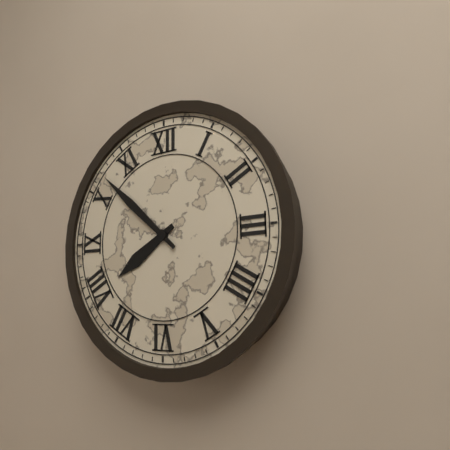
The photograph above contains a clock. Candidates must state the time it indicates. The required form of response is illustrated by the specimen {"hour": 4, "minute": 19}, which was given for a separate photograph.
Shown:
{"hour": 7, "minute": 52}
